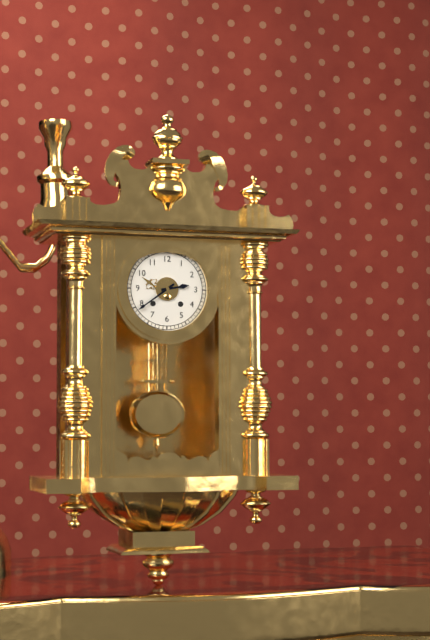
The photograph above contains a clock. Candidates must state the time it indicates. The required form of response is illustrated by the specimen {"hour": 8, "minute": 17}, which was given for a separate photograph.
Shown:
{"hour": 2, "minute": 39}
